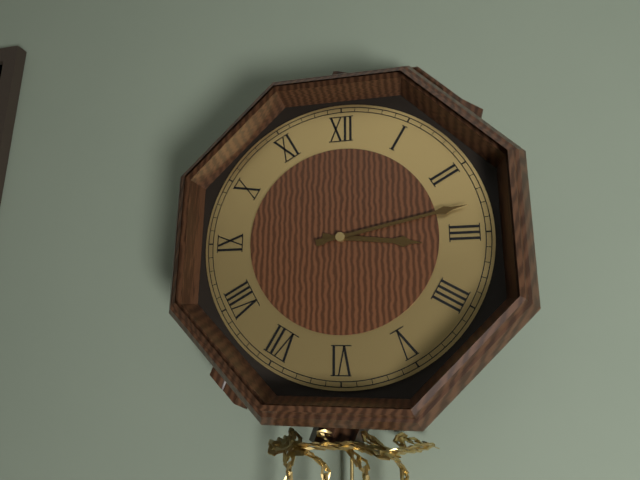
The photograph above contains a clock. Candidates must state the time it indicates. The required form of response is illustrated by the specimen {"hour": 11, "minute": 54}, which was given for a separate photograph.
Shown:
{"hour": 3, "minute": 13}
